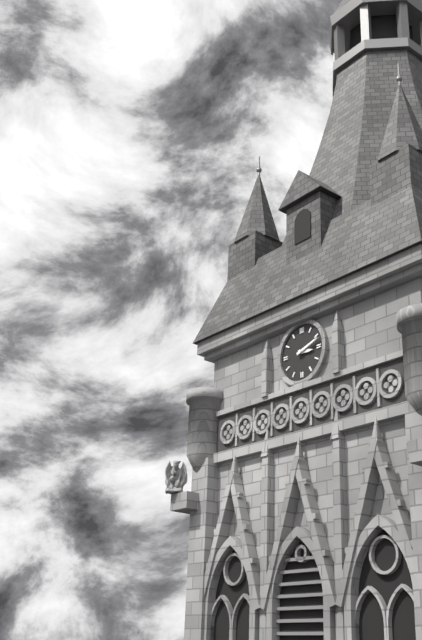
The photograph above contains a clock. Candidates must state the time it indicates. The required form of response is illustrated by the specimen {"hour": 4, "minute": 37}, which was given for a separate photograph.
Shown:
{"hour": 3, "minute": 12}
